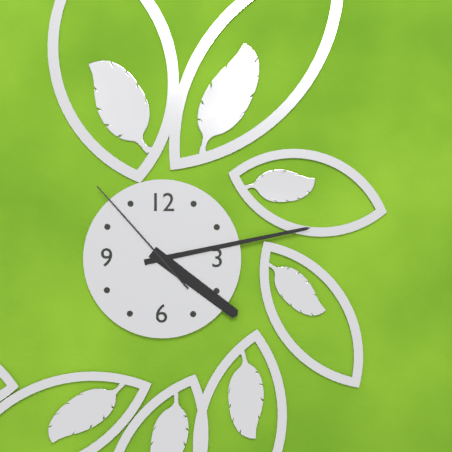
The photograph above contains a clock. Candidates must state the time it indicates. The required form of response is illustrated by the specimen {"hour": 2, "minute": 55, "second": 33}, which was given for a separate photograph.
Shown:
{"hour": 4, "minute": 13, "second": 53}
